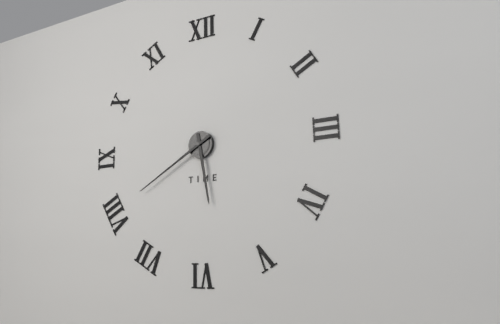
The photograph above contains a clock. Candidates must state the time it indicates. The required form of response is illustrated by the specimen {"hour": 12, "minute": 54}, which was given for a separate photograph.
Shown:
{"hour": 5, "minute": 40}
